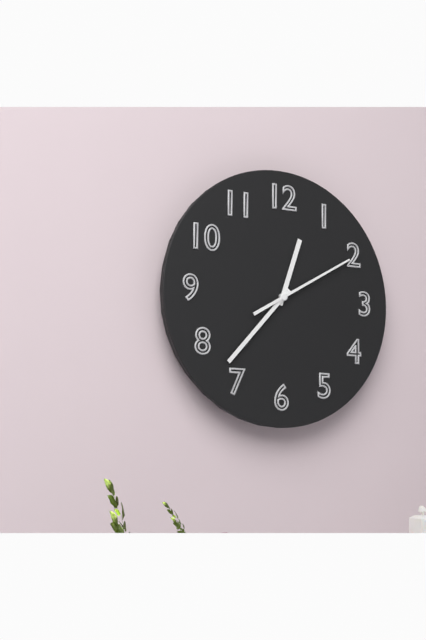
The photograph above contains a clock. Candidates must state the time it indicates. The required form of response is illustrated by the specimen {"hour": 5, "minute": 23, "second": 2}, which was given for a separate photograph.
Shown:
{"hour": 12, "minute": 37, "second": 10}
